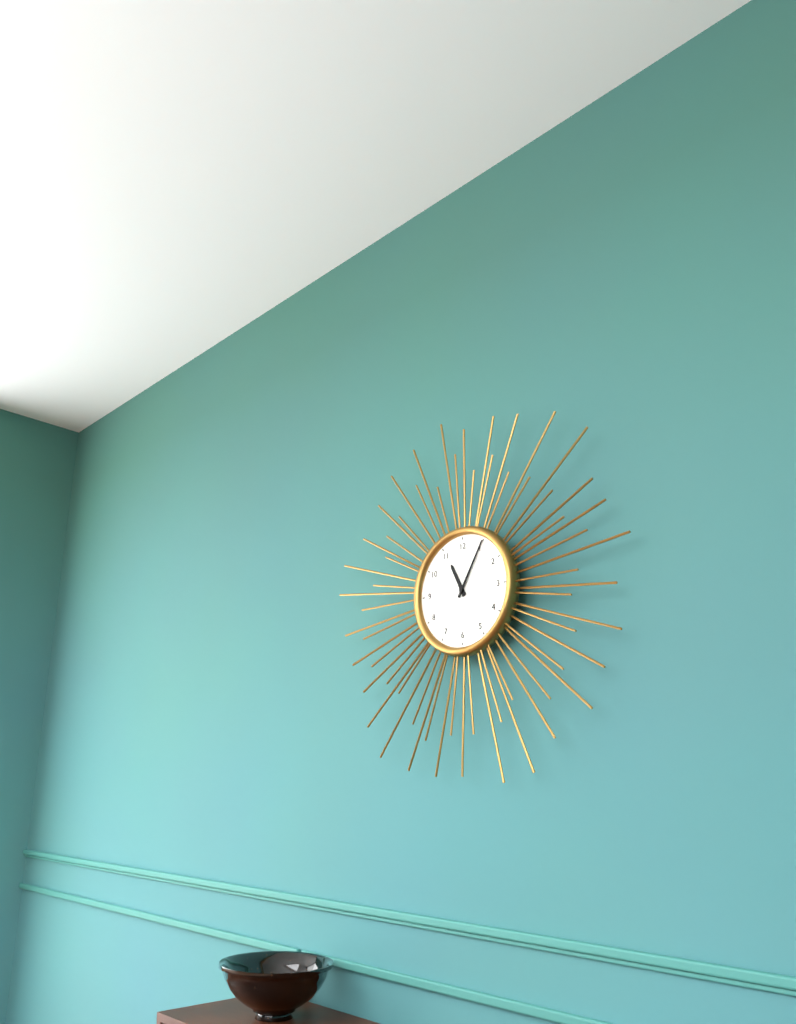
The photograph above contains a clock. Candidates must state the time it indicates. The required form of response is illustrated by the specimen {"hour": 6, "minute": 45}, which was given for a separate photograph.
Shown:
{"hour": 11, "minute": 5}
